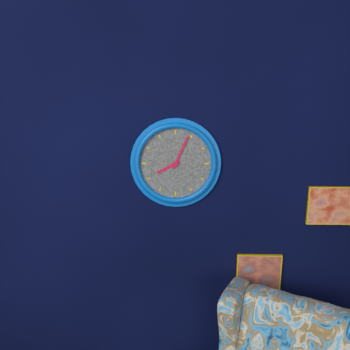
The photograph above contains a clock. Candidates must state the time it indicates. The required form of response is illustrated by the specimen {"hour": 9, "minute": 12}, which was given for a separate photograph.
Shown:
{"hour": 8, "minute": 4}
